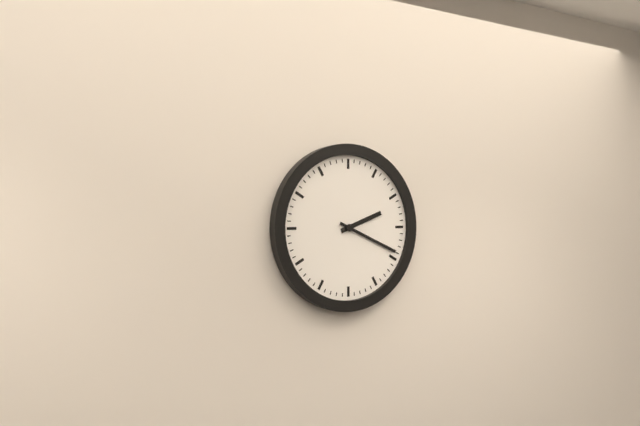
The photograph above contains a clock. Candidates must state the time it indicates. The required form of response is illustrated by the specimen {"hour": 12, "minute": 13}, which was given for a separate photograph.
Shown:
{"hour": 2, "minute": 19}
